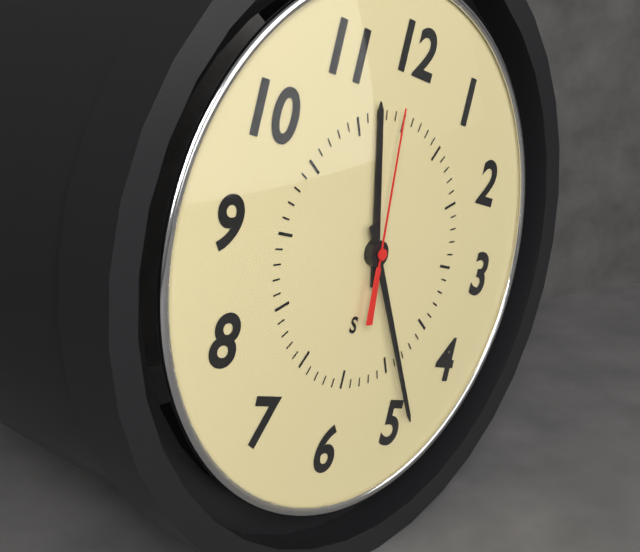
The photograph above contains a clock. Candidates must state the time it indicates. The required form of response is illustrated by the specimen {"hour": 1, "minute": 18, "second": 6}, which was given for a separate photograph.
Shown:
{"hour": 11, "minute": 24, "second": 59}
